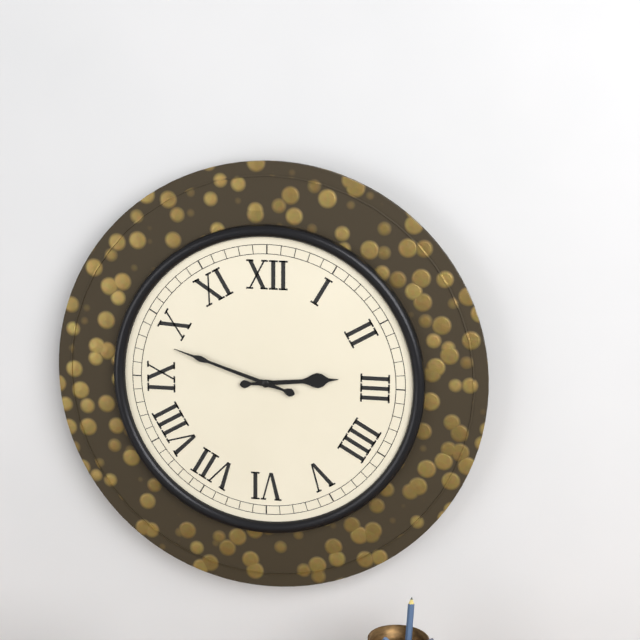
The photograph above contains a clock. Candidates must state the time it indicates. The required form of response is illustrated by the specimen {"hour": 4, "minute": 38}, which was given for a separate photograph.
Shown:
{"hour": 2, "minute": 48}
